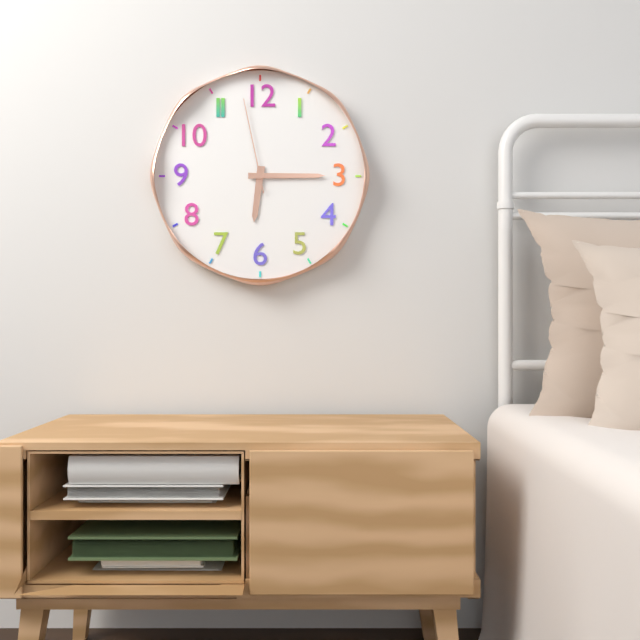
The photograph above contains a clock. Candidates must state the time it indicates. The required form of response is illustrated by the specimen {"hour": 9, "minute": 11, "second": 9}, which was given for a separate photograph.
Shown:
{"hour": 6, "minute": 15, "second": 58}
